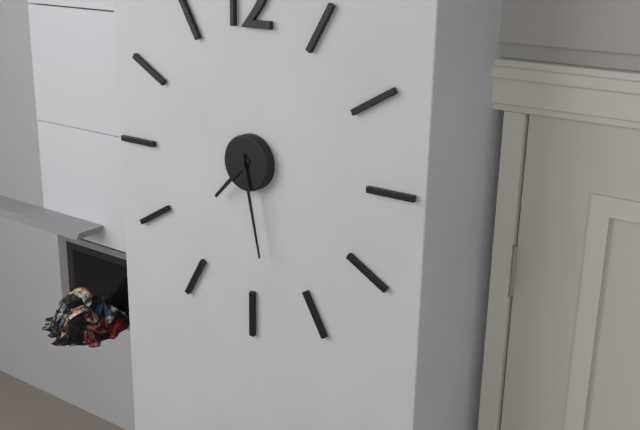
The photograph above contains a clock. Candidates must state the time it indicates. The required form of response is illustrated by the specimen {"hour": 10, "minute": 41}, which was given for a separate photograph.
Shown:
{"hour": 7, "minute": 28}
